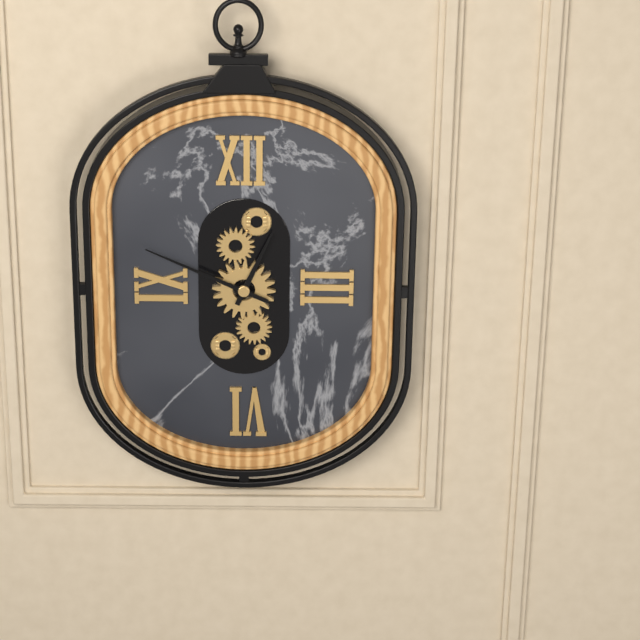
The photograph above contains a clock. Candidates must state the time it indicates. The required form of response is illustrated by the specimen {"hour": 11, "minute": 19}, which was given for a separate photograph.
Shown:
{"hour": 12, "minute": 49}
